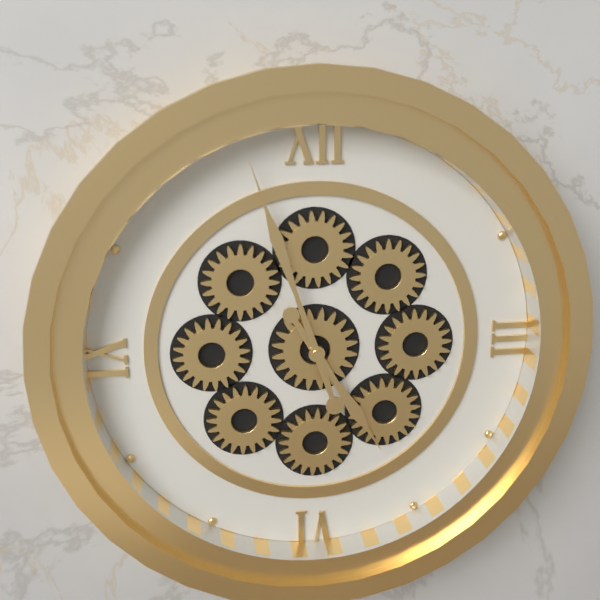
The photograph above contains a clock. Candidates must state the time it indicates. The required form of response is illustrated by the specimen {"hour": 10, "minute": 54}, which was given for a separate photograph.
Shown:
{"hour": 4, "minute": 57}
